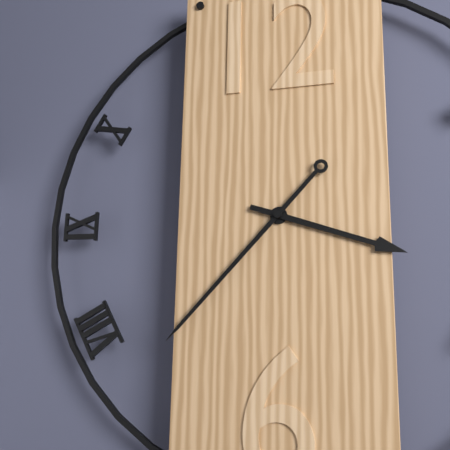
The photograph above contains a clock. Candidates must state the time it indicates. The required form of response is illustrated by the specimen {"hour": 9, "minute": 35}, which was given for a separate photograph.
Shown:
{"hour": 3, "minute": 37}
